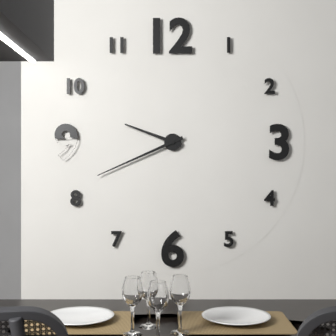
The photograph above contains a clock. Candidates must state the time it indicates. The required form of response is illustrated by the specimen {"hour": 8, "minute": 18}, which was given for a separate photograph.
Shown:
{"hour": 9, "minute": 41}
